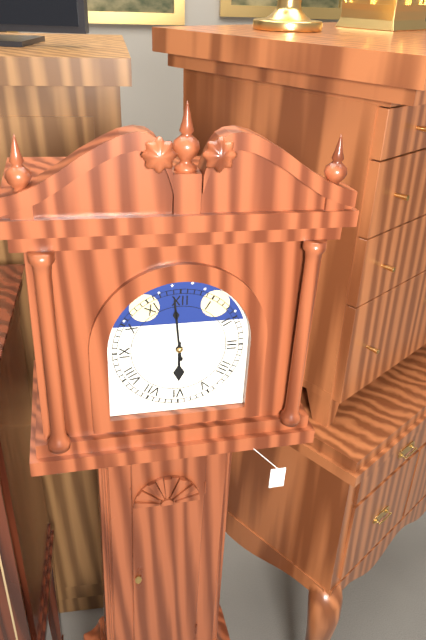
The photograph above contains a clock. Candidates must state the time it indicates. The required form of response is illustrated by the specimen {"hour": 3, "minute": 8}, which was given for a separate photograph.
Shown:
{"hour": 5, "minute": 59}
